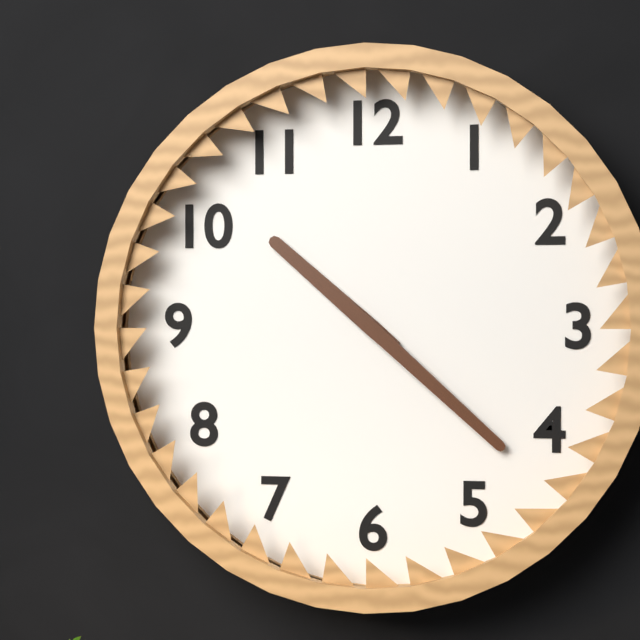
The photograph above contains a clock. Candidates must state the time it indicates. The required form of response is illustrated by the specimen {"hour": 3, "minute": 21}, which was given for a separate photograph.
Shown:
{"hour": 10, "minute": 22}
